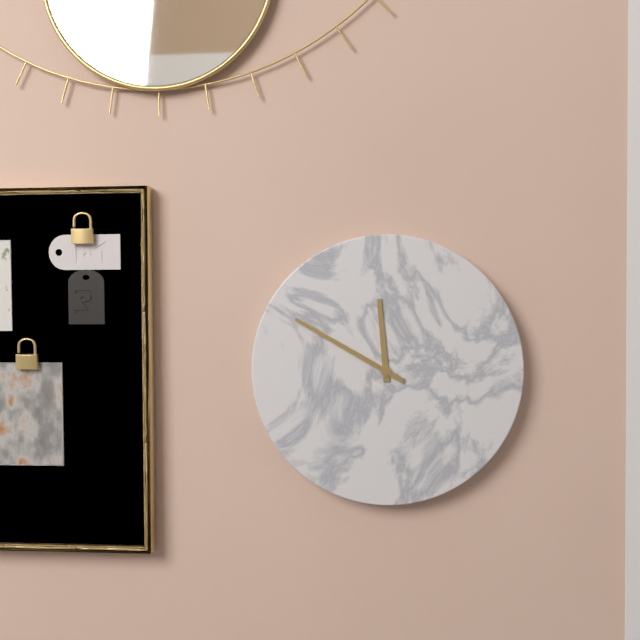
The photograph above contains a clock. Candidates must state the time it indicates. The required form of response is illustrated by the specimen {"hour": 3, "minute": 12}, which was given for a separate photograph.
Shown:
{"hour": 11, "minute": 50}
